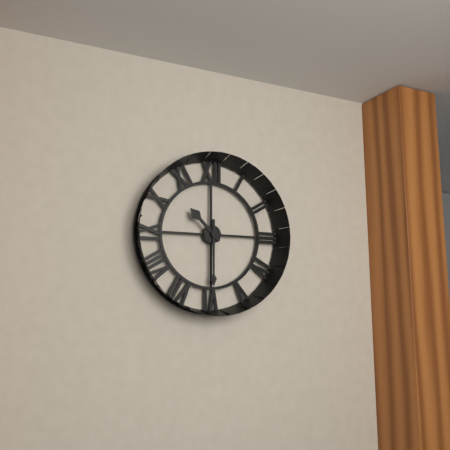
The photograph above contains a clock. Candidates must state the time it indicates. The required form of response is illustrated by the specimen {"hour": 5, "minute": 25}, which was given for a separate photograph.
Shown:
{"hour": 10, "minute": 30}
